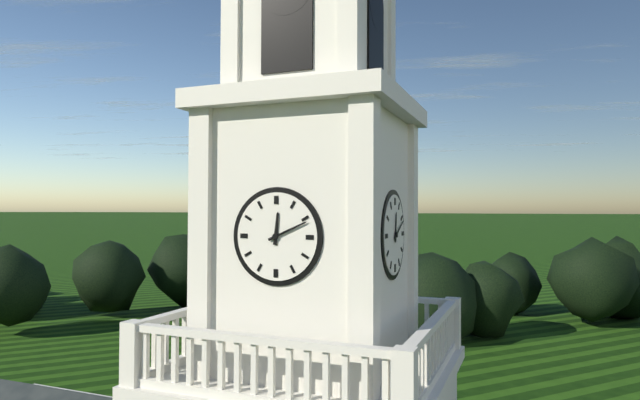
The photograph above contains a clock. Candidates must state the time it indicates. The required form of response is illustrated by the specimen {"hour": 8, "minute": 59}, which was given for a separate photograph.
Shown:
{"hour": 12, "minute": 11}
